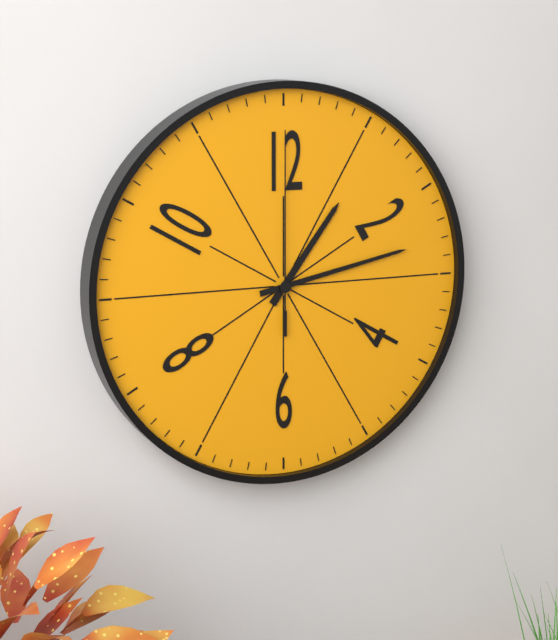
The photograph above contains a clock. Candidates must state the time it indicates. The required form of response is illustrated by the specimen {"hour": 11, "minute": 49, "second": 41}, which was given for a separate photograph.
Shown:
{"hour": 1, "minute": 13, "second": 0}
